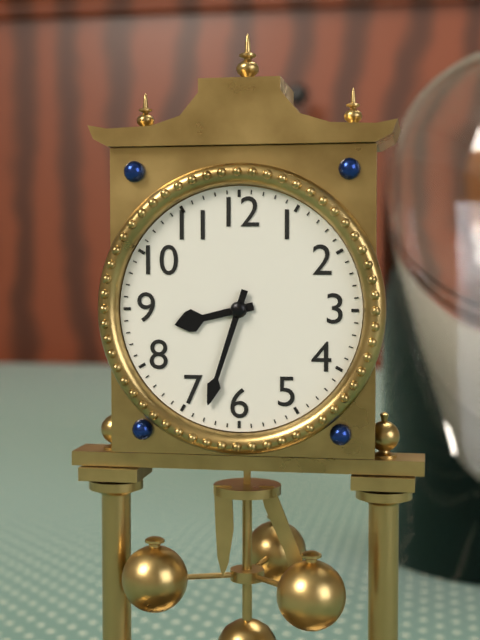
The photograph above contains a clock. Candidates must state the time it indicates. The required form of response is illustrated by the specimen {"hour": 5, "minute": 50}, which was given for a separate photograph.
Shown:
{"hour": 8, "minute": 33}
